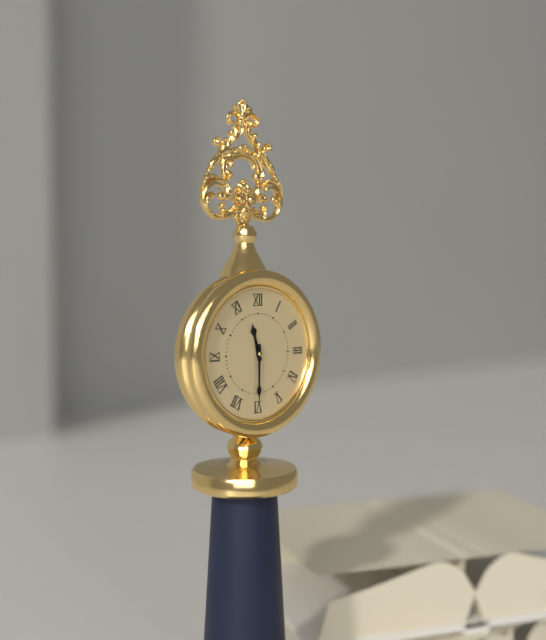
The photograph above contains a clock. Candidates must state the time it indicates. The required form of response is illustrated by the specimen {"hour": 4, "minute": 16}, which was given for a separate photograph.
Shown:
{"hour": 11, "minute": 30}
